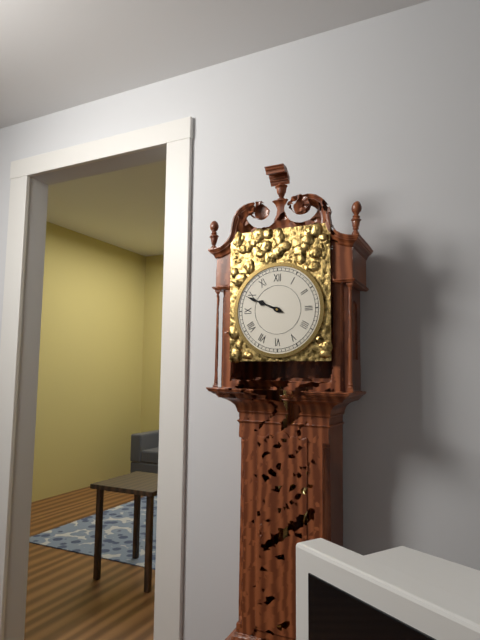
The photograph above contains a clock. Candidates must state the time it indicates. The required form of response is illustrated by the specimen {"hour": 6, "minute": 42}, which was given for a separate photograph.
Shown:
{"hour": 9, "minute": 49}
